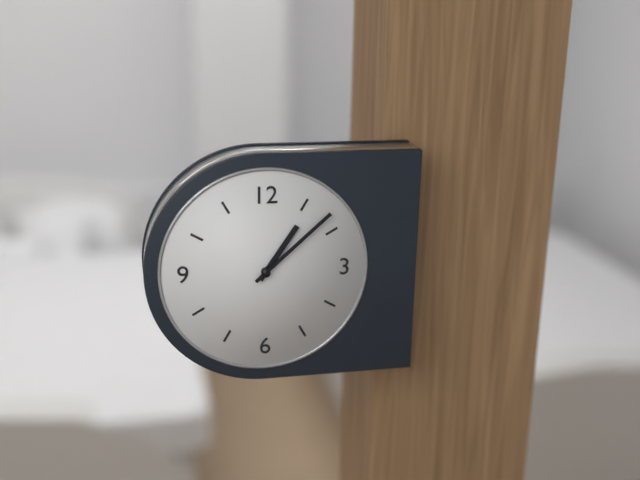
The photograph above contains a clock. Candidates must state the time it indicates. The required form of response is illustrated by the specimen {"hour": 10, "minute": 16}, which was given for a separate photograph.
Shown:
{"hour": 1, "minute": 8}
